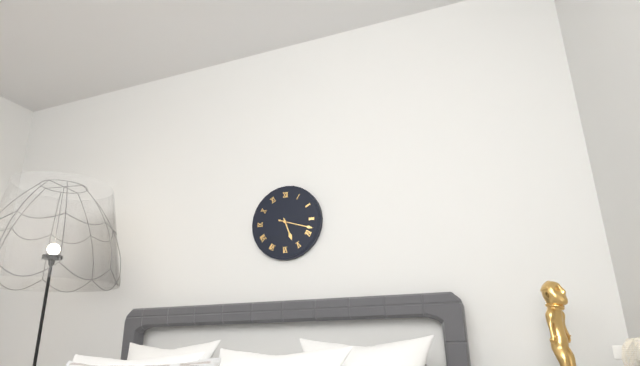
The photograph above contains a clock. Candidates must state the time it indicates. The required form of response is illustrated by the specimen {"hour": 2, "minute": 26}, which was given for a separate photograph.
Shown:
{"hour": 5, "minute": 18}
